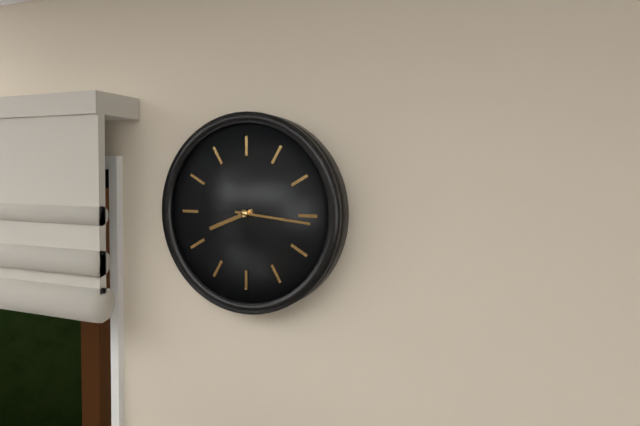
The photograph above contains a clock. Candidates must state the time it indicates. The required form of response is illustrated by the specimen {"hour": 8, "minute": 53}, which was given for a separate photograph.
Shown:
{"hour": 8, "minute": 16}
